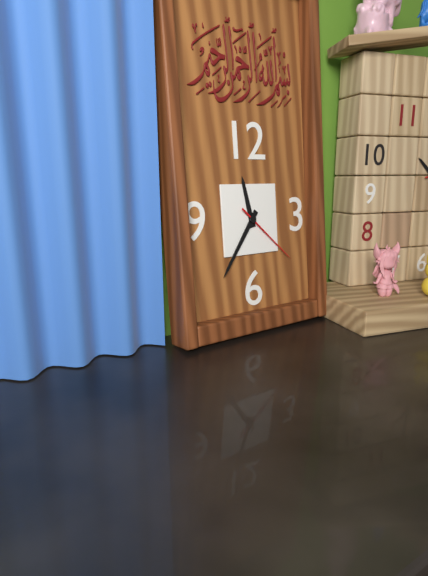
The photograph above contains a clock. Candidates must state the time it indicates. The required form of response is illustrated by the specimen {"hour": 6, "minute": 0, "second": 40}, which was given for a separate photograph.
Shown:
{"hour": 11, "minute": 36, "second": 22}
